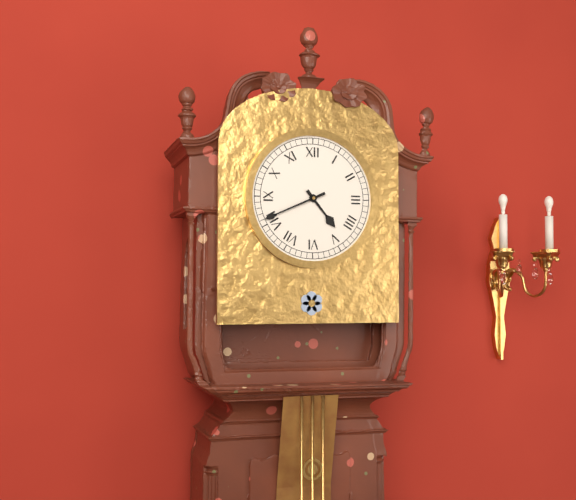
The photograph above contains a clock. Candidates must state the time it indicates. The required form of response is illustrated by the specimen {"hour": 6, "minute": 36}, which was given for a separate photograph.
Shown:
{"hour": 4, "minute": 41}
